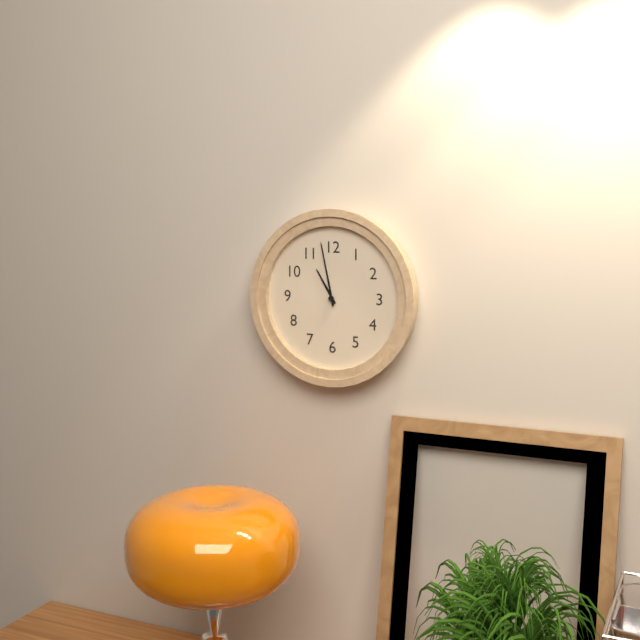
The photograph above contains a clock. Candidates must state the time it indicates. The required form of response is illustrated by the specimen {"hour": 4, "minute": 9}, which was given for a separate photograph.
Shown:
{"hour": 10, "minute": 58}
